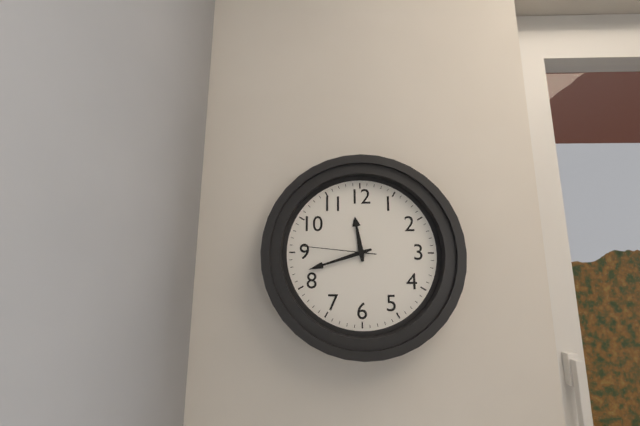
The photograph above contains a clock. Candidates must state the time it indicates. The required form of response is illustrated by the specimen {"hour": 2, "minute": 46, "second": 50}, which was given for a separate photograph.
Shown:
{"hour": 11, "minute": 42, "second": 46}
